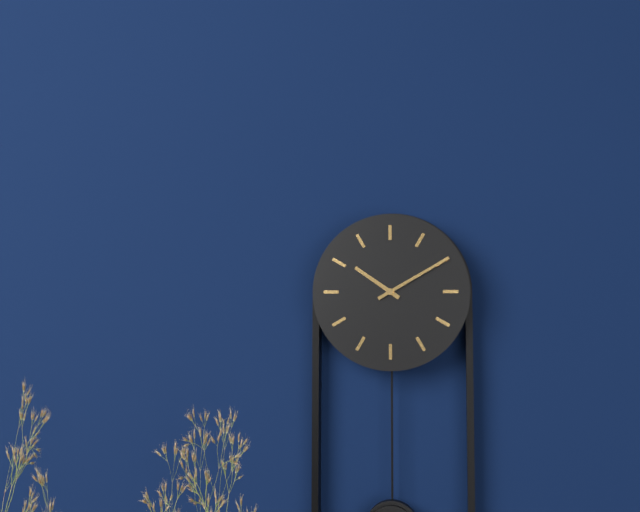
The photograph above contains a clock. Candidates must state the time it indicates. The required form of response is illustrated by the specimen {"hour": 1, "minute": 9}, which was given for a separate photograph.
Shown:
{"hour": 10, "minute": 10}
